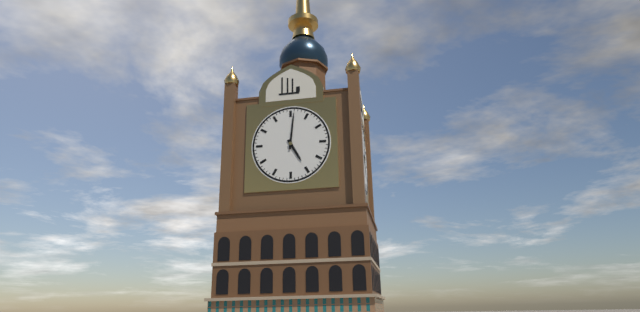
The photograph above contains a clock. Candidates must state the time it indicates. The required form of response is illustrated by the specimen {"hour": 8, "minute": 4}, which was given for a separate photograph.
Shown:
{"hour": 5, "minute": 1}
